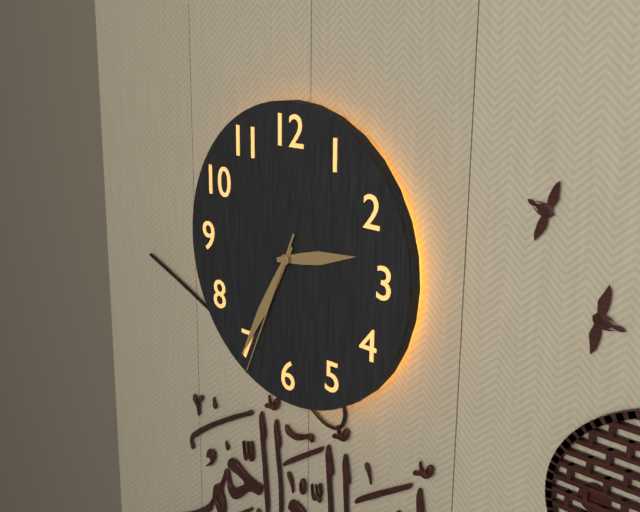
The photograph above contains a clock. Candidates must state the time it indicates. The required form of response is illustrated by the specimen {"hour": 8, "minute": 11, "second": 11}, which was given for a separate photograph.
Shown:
{"hour": 2, "minute": 35, "second": 34}
